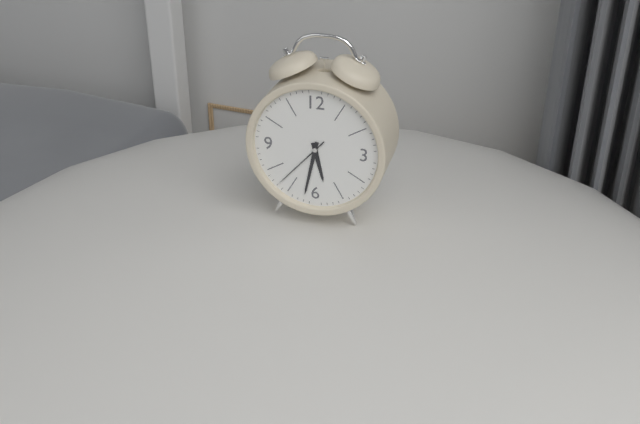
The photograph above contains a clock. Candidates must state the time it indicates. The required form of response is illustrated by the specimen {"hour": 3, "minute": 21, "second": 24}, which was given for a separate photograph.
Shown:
{"hour": 5, "minute": 32, "second": 37}
